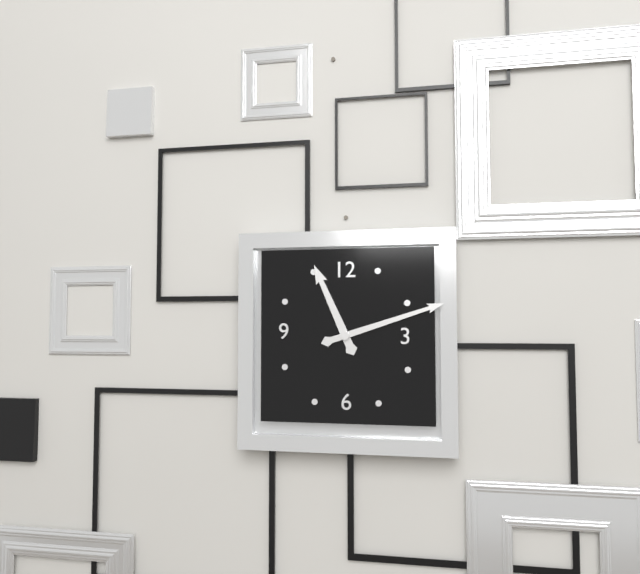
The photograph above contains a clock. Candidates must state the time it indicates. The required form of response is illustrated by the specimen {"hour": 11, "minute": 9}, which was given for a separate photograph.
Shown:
{"hour": 11, "minute": 12}
